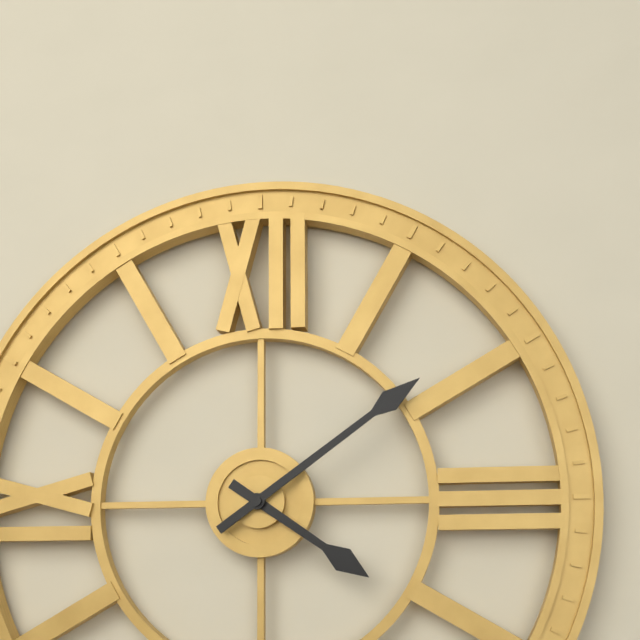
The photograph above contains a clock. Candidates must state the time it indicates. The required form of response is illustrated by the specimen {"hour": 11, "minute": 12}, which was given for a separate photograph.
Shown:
{"hour": 4, "minute": 9}
